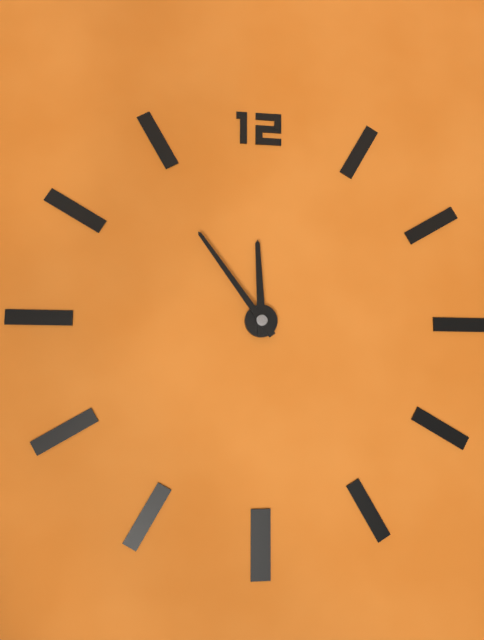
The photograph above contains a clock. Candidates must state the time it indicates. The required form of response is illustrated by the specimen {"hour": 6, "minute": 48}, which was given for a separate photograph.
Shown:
{"hour": 11, "minute": 54}
